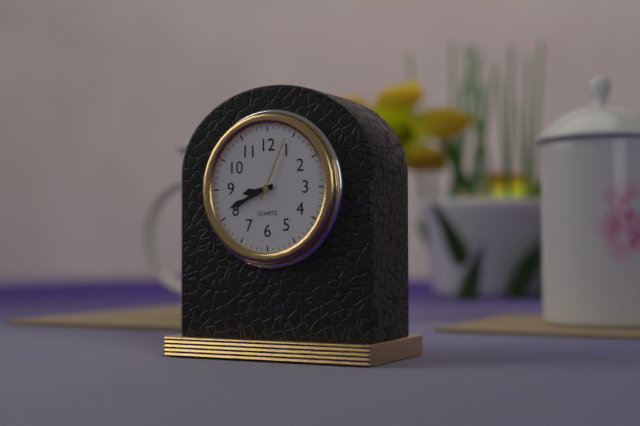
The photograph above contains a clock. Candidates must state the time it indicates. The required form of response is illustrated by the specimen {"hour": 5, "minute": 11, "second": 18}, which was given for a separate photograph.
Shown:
{"hour": 8, "minute": 41, "second": 4}
